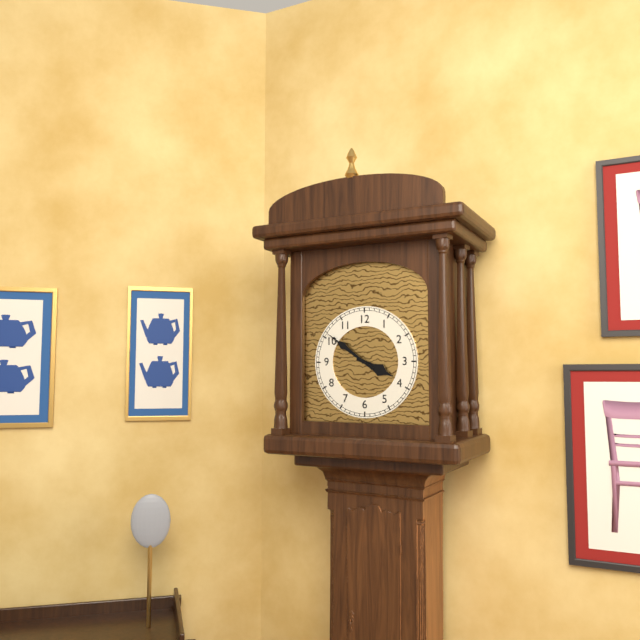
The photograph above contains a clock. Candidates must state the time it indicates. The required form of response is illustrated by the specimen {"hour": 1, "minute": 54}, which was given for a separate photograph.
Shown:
{"hour": 3, "minute": 51}
